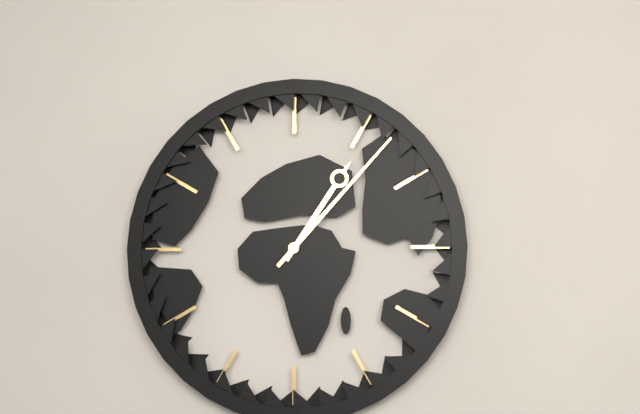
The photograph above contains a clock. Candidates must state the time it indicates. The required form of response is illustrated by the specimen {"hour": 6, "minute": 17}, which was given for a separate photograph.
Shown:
{"hour": 1, "minute": 7}
